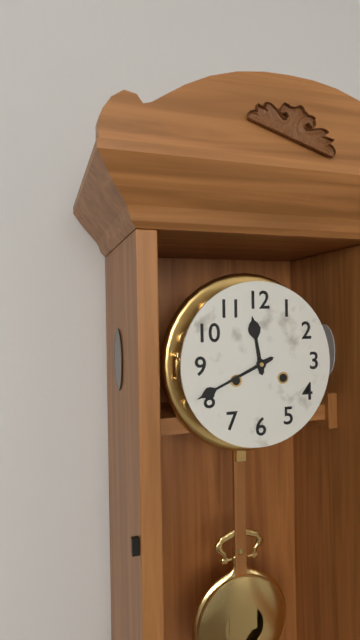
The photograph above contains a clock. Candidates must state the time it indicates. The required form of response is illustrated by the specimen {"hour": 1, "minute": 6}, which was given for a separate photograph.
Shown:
{"hour": 11, "minute": 41}
